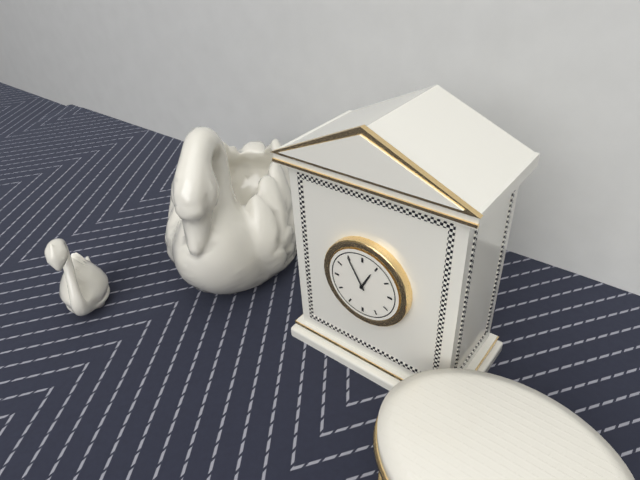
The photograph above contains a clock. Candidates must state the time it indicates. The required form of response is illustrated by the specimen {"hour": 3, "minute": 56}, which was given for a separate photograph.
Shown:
{"hour": 12, "minute": 55}
